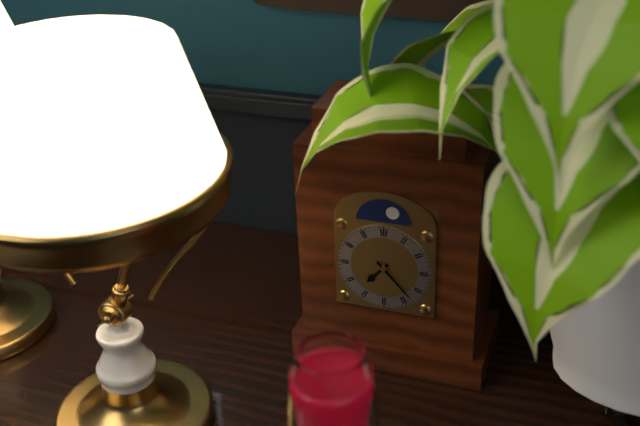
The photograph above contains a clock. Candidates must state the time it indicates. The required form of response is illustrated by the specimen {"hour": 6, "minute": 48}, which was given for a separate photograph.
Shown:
{"hour": 7, "minute": 23}
